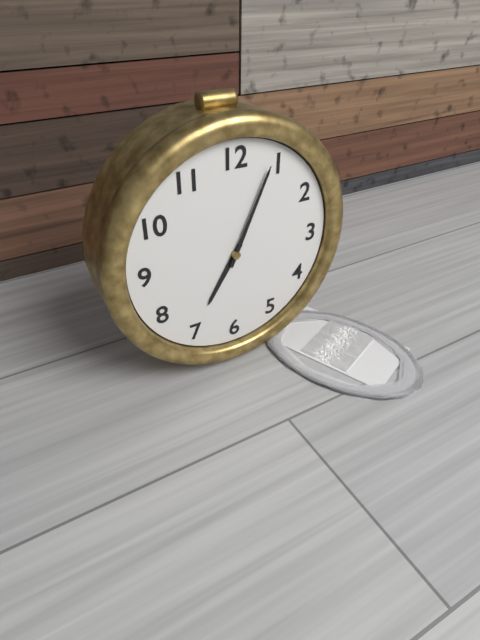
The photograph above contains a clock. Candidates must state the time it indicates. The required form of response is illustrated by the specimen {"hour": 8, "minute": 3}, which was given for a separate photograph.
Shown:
{"hour": 7, "minute": 4}
